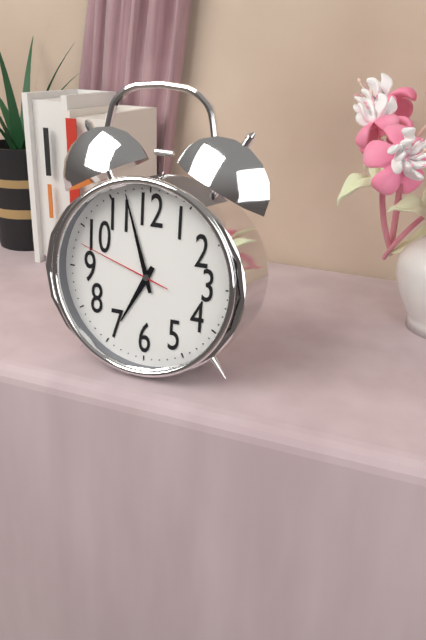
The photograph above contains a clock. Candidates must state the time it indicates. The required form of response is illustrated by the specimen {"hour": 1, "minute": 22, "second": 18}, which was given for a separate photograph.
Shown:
{"hour": 6, "minute": 57, "second": 48}
